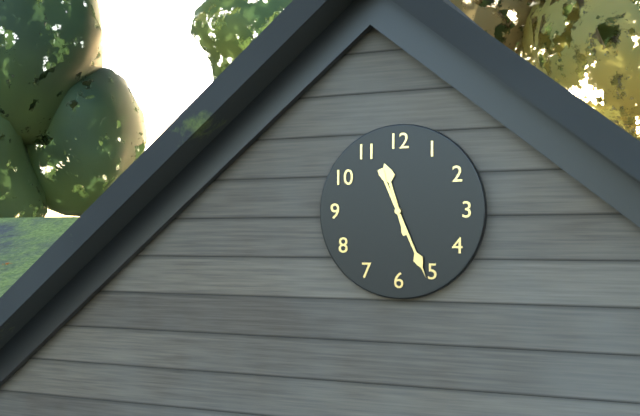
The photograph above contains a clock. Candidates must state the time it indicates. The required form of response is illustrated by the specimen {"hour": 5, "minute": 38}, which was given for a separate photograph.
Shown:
{"hour": 11, "minute": 26}
